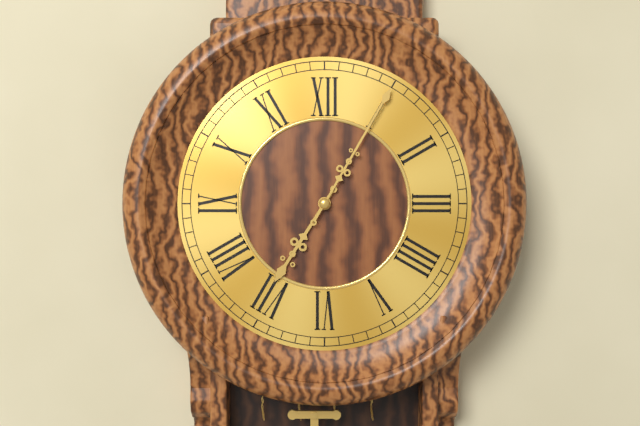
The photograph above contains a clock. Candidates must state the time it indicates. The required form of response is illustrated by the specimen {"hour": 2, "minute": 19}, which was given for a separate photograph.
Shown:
{"hour": 7, "minute": 5}
